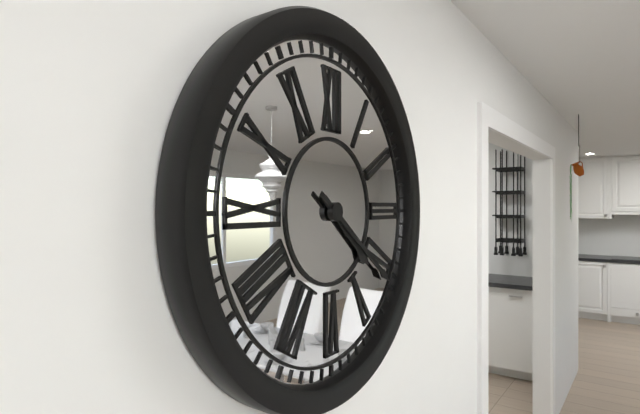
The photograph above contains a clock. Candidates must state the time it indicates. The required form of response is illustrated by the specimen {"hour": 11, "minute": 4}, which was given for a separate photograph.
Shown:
{"hour": 4, "minute": 21}
